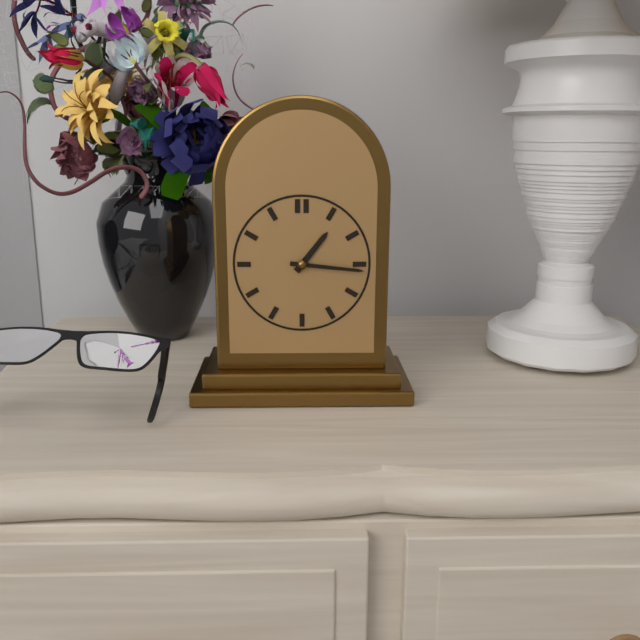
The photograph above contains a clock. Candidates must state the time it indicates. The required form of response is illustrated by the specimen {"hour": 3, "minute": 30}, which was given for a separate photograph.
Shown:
{"hour": 1, "minute": 16}
